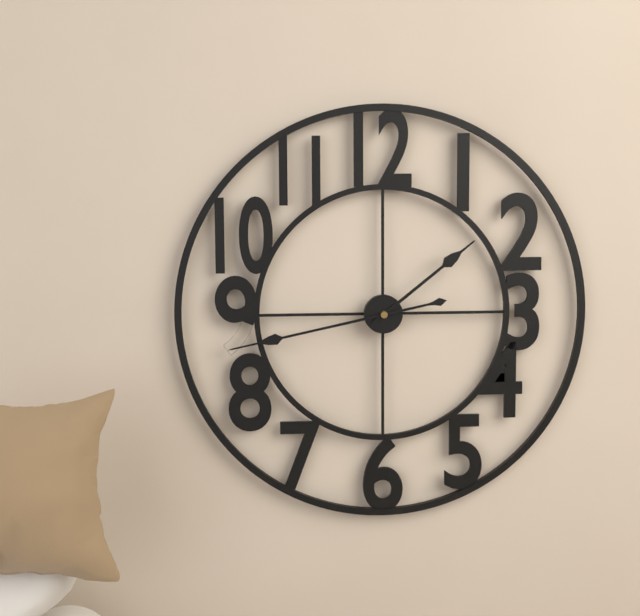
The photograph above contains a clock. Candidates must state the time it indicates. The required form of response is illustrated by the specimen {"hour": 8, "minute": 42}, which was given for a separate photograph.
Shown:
{"hour": 1, "minute": 43}
